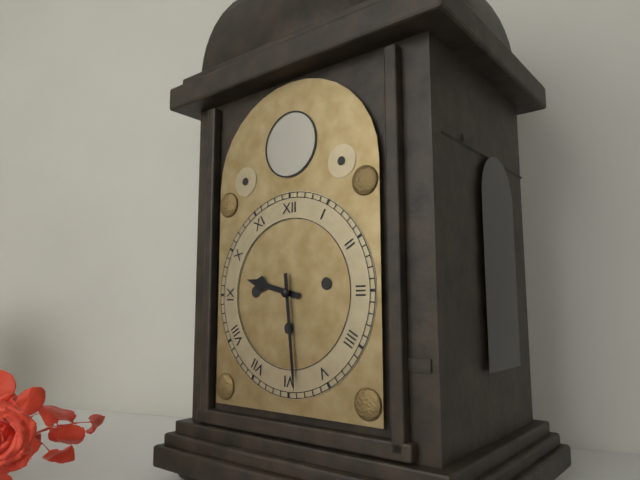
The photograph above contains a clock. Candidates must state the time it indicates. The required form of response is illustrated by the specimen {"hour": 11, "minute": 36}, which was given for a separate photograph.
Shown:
{"hour": 9, "minute": 29}
